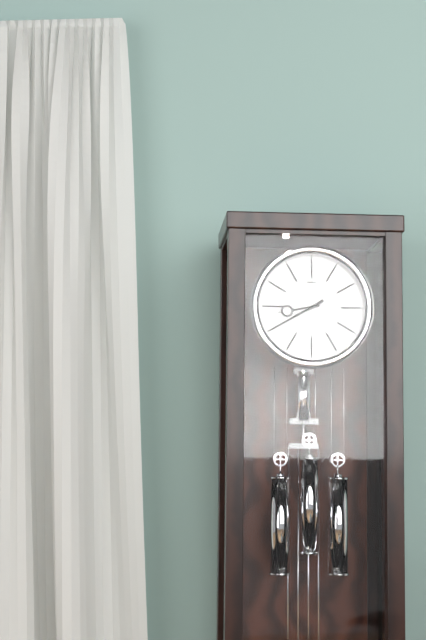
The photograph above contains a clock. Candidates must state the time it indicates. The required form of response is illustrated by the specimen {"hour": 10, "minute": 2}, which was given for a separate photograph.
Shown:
{"hour": 8, "minute": 40}
